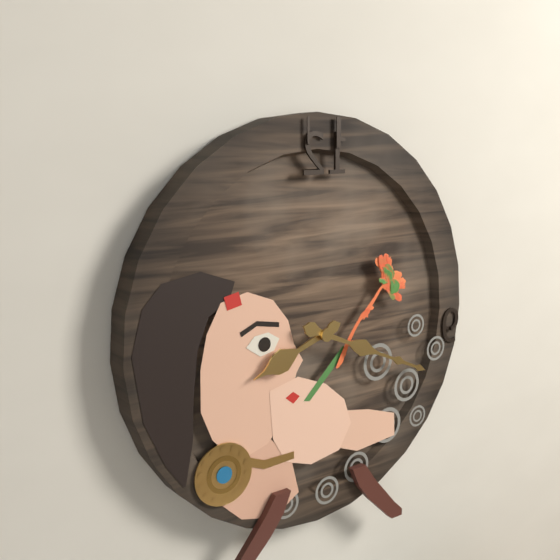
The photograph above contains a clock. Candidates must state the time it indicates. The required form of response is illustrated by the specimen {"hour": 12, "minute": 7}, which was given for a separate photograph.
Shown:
{"hour": 8, "minute": 19}
